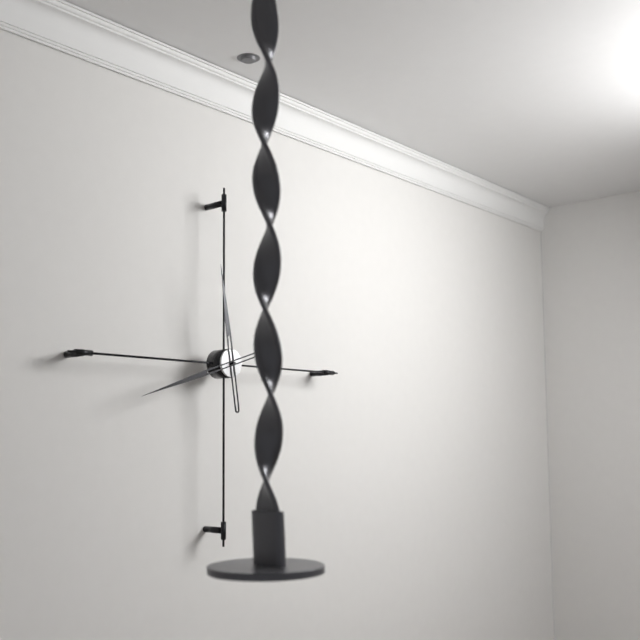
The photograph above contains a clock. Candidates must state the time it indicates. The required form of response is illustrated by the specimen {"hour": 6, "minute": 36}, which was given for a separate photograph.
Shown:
{"hour": 11, "minute": 42}
